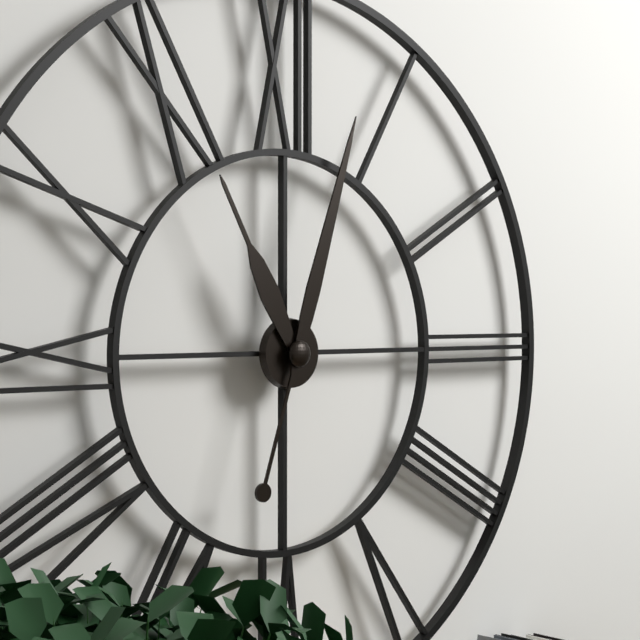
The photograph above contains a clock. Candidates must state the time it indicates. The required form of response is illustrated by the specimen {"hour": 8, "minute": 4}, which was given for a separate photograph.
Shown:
{"hour": 11, "minute": 3}
